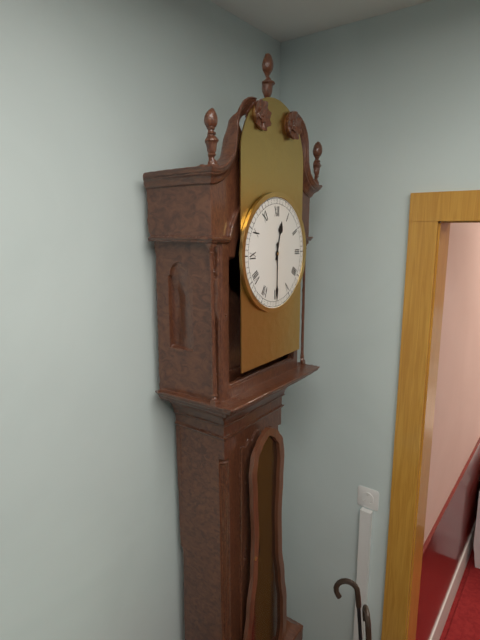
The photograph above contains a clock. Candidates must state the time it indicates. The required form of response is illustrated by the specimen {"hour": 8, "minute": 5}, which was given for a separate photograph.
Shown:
{"hour": 12, "minute": 30}
